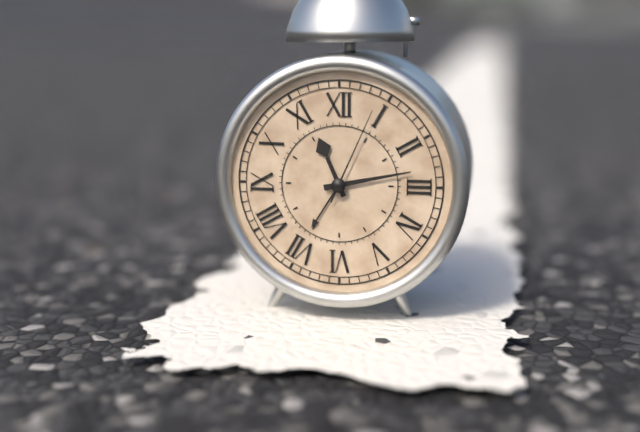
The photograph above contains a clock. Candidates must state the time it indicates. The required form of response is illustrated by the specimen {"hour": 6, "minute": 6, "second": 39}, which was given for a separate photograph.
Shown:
{"hour": 11, "minute": 13, "second": 4}
